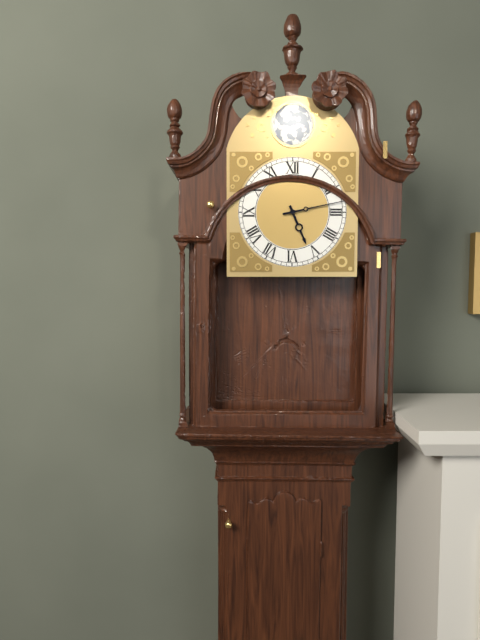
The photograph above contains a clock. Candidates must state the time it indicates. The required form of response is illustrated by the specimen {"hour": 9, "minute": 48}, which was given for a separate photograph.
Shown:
{"hour": 5, "minute": 13}
